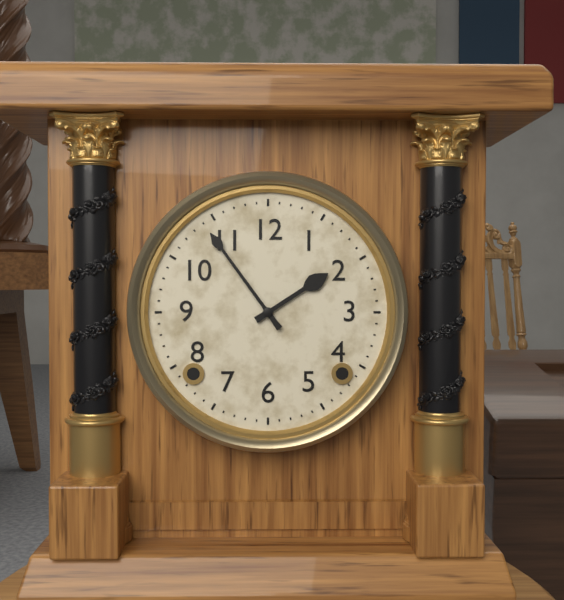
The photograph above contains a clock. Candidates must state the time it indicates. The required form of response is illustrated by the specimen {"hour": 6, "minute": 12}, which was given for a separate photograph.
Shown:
{"hour": 1, "minute": 54}
